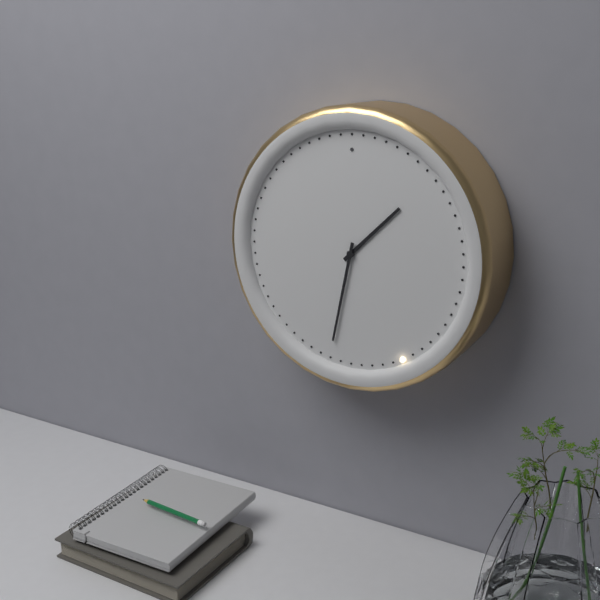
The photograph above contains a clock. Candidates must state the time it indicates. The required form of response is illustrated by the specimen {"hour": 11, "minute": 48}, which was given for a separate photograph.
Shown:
{"hour": 1, "minute": 32}
